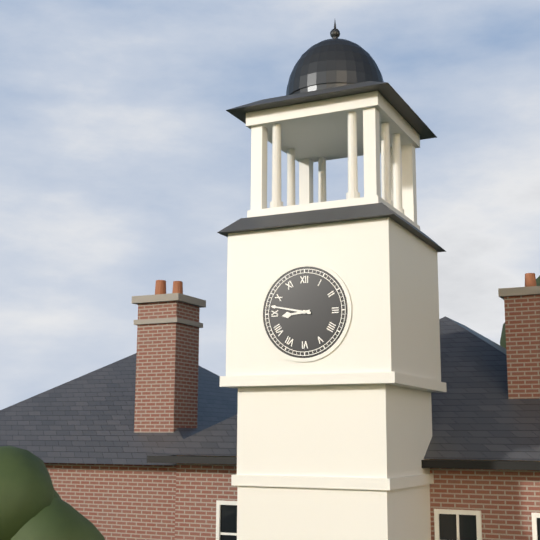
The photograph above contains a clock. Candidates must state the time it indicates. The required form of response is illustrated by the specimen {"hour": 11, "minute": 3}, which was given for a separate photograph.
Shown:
{"hour": 8, "minute": 47}
